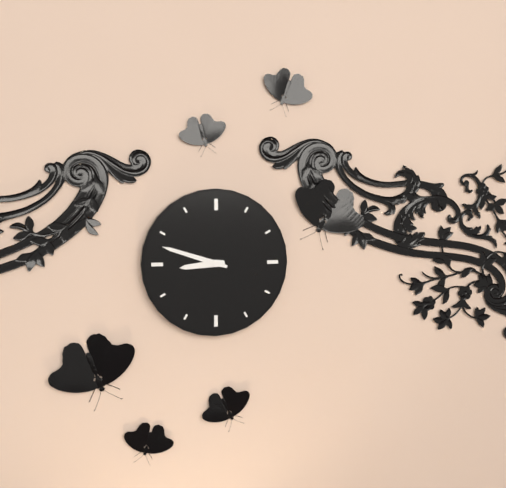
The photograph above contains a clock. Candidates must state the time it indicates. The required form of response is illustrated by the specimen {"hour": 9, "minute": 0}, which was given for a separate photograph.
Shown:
{"hour": 8, "minute": 48}
